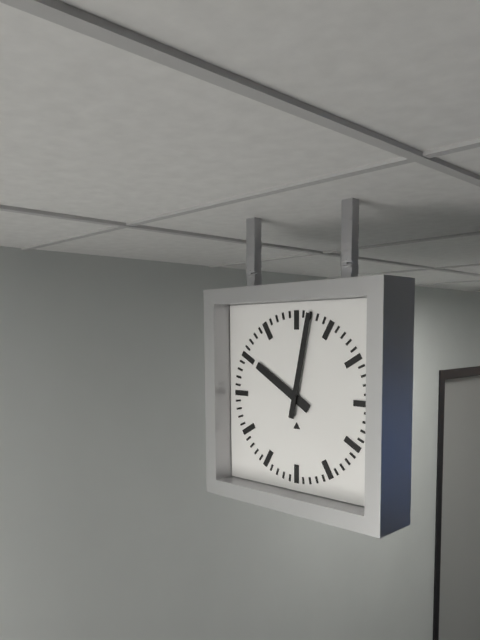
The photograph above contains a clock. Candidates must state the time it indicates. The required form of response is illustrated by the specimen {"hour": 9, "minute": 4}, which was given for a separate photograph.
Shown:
{"hour": 10, "minute": 2}
